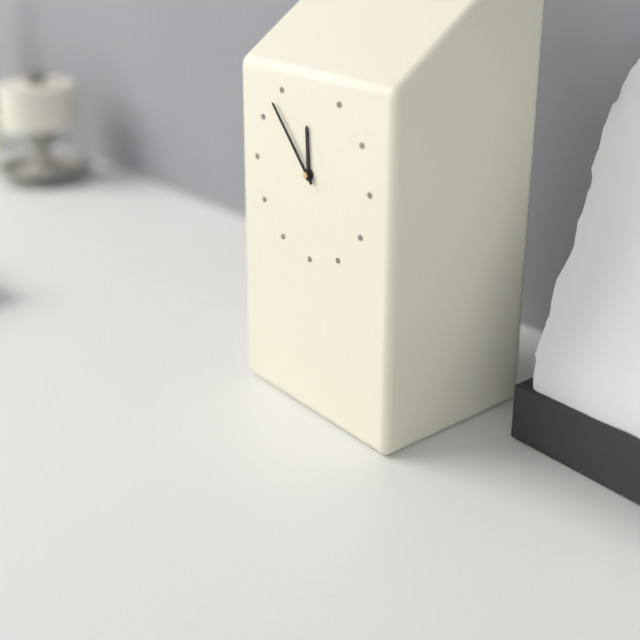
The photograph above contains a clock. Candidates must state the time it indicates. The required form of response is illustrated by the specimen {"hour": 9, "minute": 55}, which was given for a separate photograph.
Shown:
{"hour": 11, "minute": 53}
